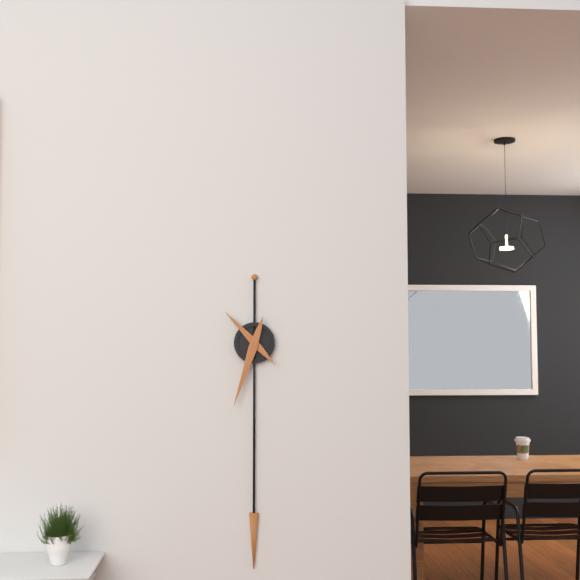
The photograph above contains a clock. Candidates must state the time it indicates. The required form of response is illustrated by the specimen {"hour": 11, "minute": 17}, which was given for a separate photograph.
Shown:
{"hour": 10, "minute": 33}
